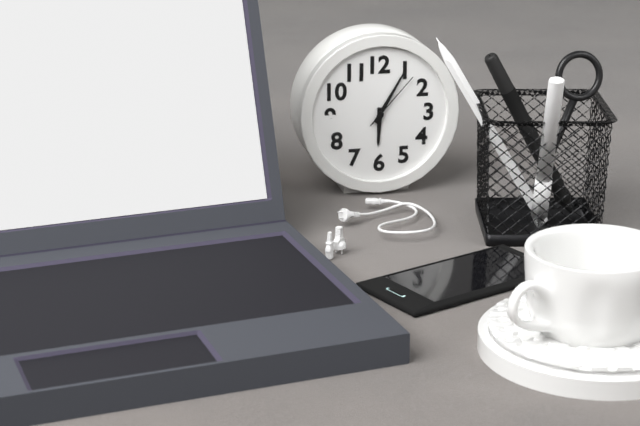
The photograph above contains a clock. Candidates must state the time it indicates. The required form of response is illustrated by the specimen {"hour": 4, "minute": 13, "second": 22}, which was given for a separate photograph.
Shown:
{"hour": 6, "minute": 5, "second": 7}
